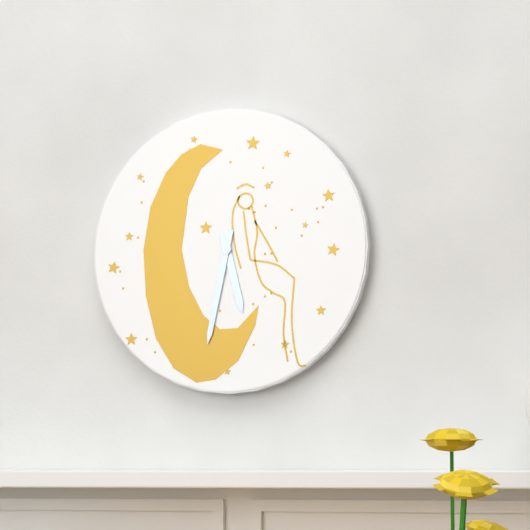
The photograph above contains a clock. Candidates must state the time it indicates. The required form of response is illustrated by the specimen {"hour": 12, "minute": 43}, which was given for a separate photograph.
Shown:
{"hour": 5, "minute": 32}
